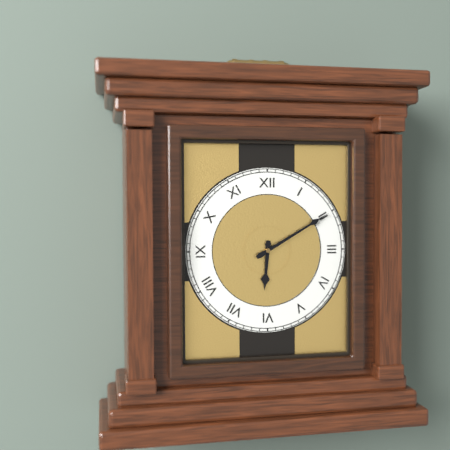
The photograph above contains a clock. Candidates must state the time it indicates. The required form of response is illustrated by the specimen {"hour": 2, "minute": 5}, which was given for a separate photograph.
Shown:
{"hour": 6, "minute": 10}
